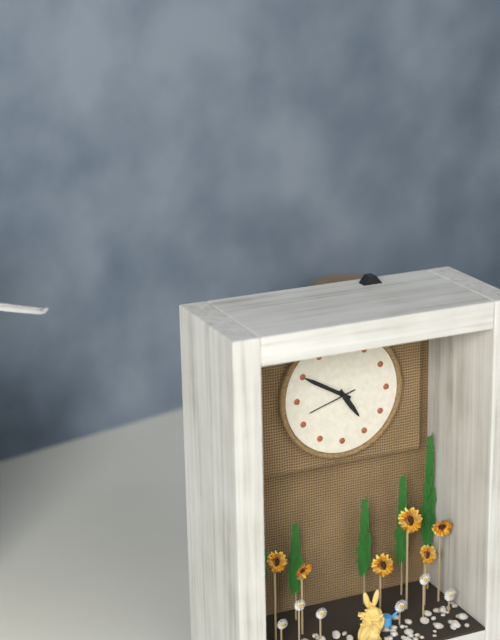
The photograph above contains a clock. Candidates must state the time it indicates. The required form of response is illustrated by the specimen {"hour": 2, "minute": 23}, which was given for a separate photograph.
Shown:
{"hour": 4, "minute": 50}
